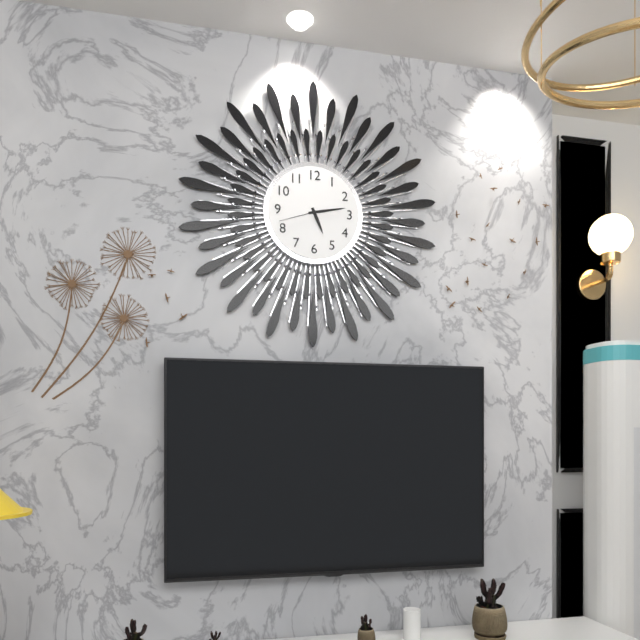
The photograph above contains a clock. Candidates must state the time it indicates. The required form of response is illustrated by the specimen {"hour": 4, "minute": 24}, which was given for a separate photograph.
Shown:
{"hour": 5, "minute": 13}
